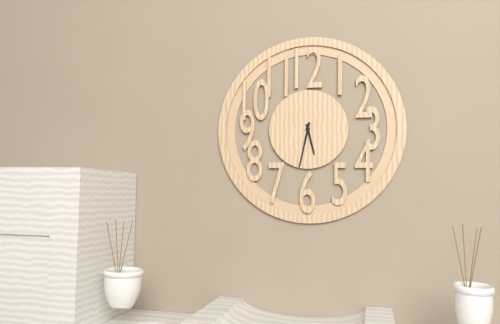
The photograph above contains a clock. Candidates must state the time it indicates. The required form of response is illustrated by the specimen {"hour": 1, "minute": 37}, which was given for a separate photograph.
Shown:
{"hour": 5, "minute": 32}
